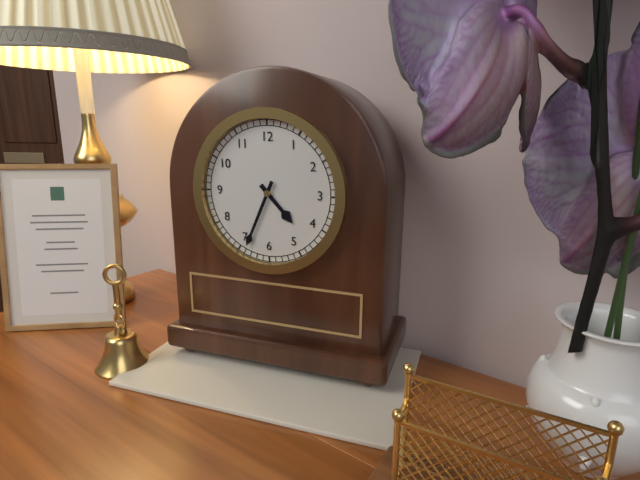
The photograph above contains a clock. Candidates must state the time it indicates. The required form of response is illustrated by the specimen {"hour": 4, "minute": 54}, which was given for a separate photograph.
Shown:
{"hour": 4, "minute": 34}
